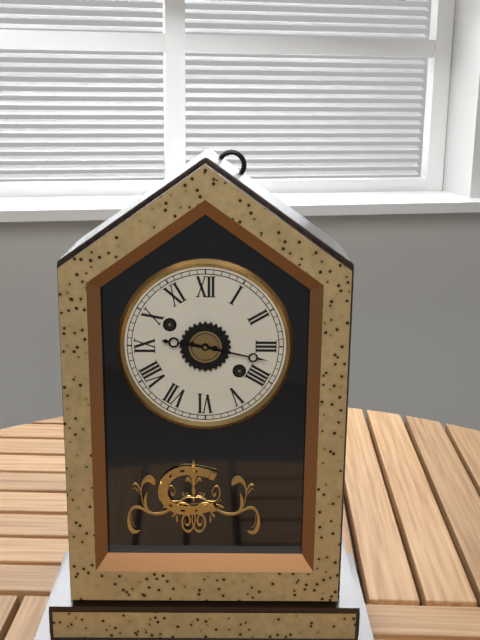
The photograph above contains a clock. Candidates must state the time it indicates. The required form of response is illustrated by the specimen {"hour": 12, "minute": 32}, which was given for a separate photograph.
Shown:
{"hour": 9, "minute": 17}
